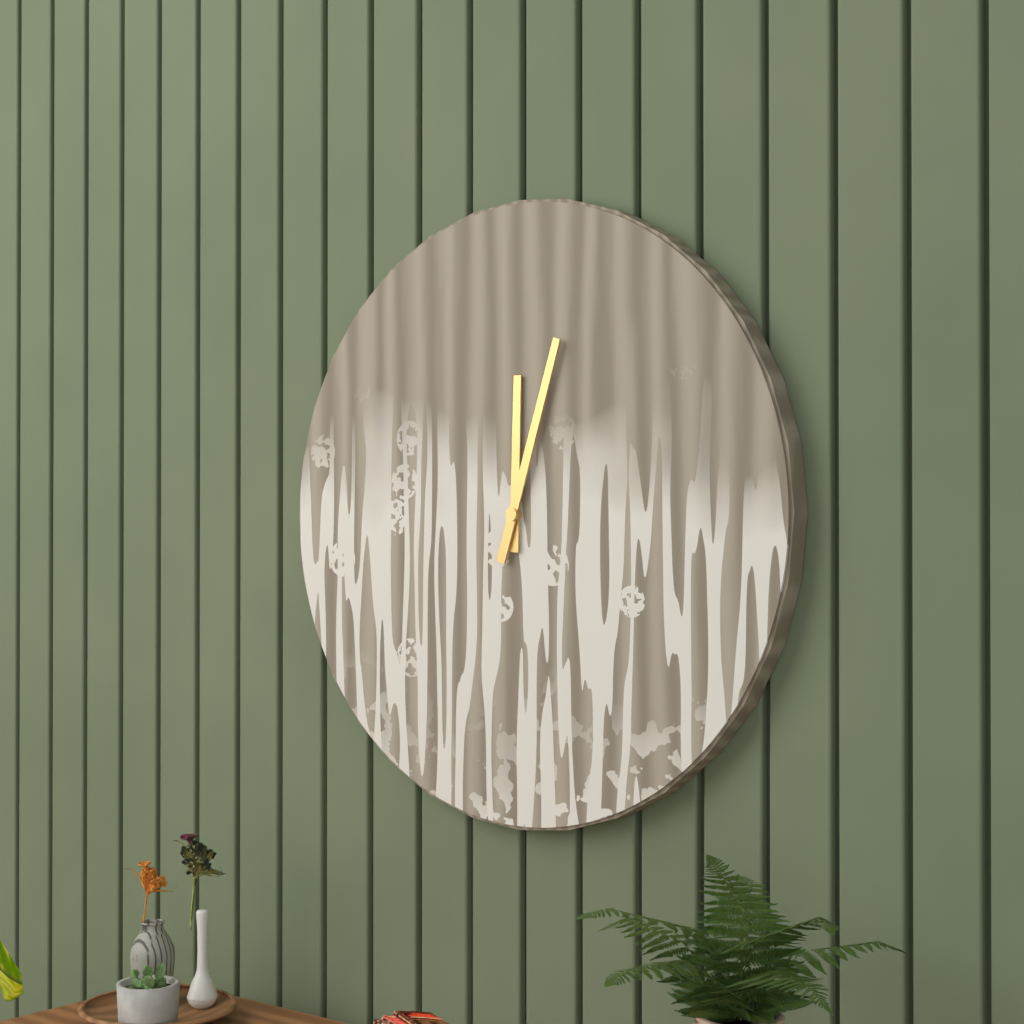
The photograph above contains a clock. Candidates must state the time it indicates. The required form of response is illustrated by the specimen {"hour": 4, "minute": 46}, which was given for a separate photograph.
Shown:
{"hour": 12, "minute": 3}
